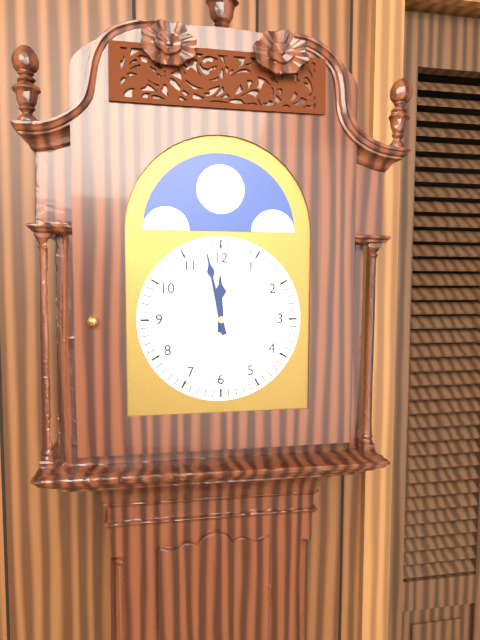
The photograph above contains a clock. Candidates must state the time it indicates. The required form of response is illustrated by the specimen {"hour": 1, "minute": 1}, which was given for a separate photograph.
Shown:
{"hour": 11, "minute": 58}
